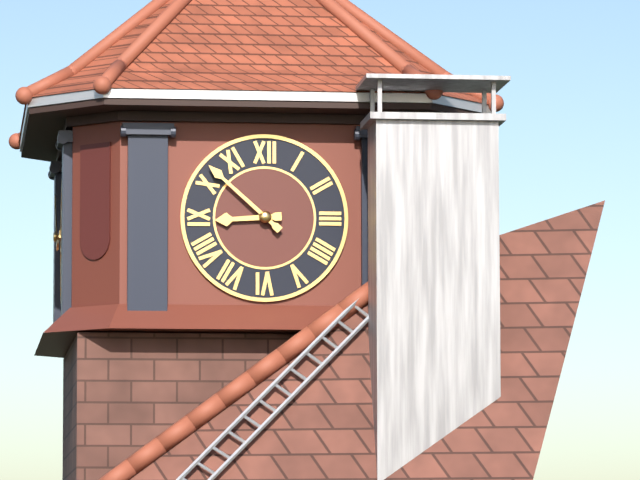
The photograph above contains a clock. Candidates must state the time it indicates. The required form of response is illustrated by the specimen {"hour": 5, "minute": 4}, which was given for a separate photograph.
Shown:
{"hour": 8, "minute": 52}
